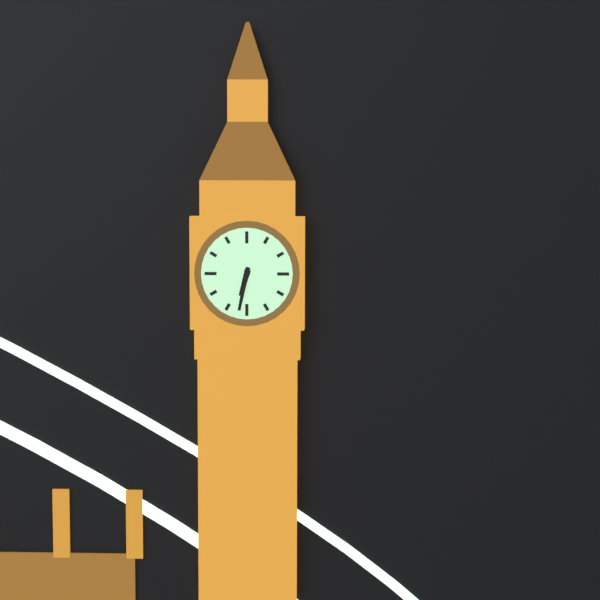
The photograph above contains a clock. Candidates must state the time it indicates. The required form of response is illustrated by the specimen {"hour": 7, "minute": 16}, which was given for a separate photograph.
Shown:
{"hour": 6, "minute": 32}
